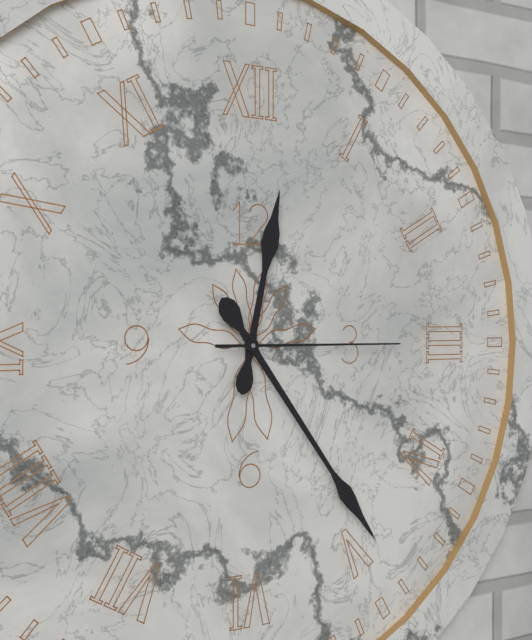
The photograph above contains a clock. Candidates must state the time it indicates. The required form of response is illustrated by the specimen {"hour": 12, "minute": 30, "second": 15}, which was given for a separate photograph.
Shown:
{"hour": 12, "minute": 24, "second": 15}
